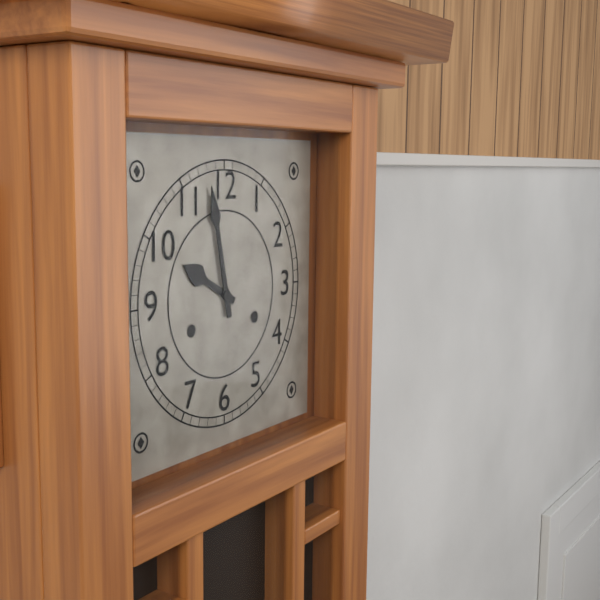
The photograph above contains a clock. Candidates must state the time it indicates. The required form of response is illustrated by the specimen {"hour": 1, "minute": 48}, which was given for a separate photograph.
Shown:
{"hour": 9, "minute": 58}
